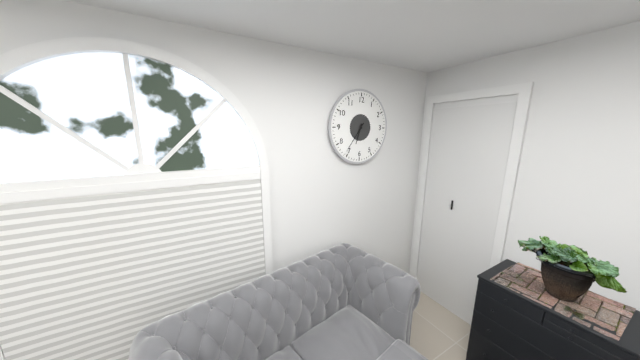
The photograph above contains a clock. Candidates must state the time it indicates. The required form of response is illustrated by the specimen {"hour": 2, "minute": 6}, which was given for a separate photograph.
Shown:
{"hour": 6, "minute": 36}
